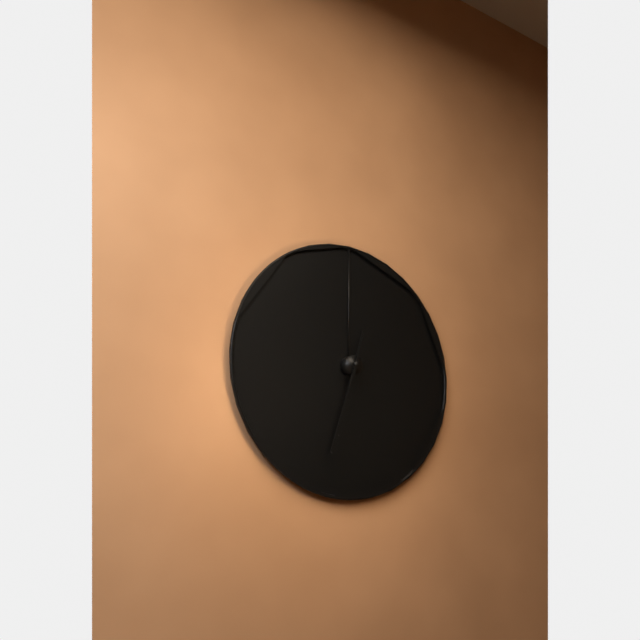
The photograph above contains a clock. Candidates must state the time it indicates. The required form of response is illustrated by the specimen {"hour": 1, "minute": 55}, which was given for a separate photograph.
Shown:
{"hour": 6, "minute": 33}
